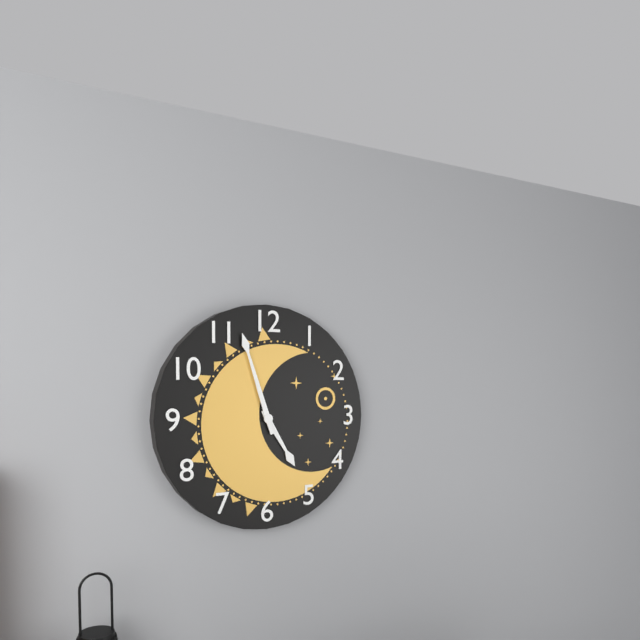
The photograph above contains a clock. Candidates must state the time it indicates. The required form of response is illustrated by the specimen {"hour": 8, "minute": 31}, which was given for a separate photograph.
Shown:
{"hour": 4, "minute": 57}
